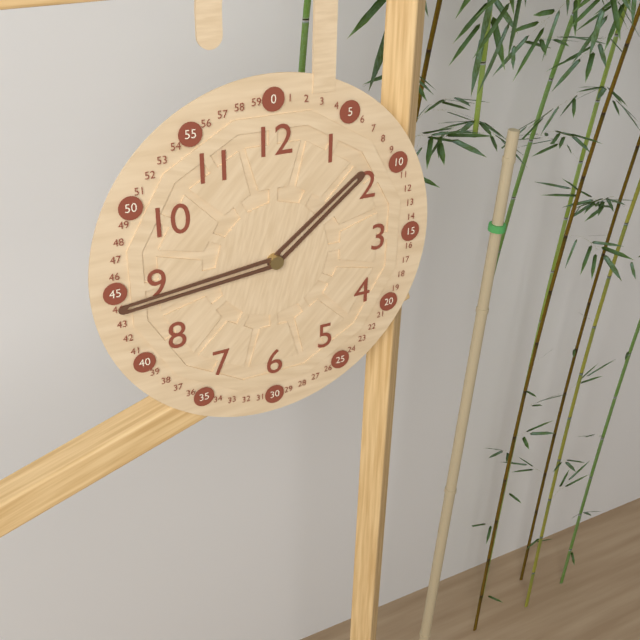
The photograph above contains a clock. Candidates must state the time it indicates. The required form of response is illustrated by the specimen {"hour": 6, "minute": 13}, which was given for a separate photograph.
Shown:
{"hour": 1, "minute": 44}
